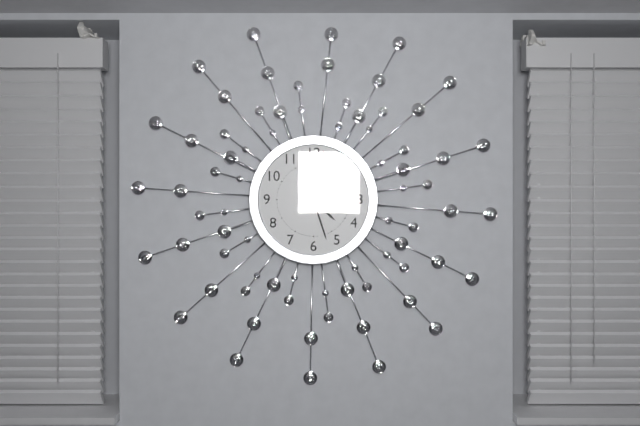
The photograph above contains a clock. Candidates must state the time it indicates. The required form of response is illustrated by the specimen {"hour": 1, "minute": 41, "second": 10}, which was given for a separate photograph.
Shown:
{"hour": 4, "minute": 27, "second": 2}
